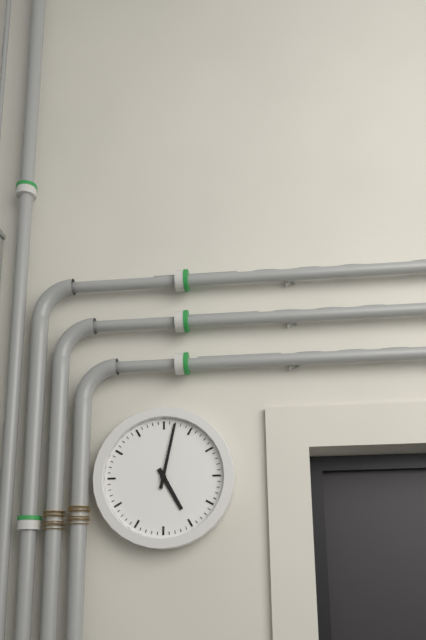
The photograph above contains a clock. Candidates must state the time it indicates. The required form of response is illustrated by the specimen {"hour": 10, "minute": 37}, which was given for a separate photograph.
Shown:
{"hour": 5, "minute": 2}
